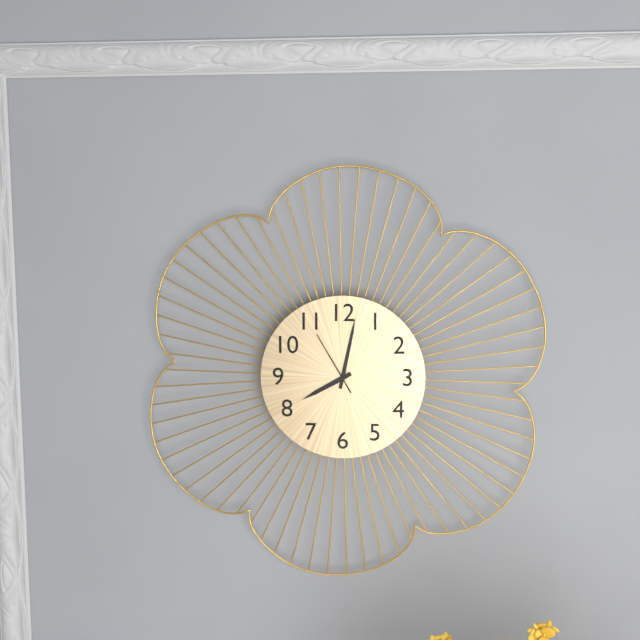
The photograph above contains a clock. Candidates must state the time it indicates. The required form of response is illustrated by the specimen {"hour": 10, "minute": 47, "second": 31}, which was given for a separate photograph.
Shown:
{"hour": 8, "minute": 2, "second": 55}
